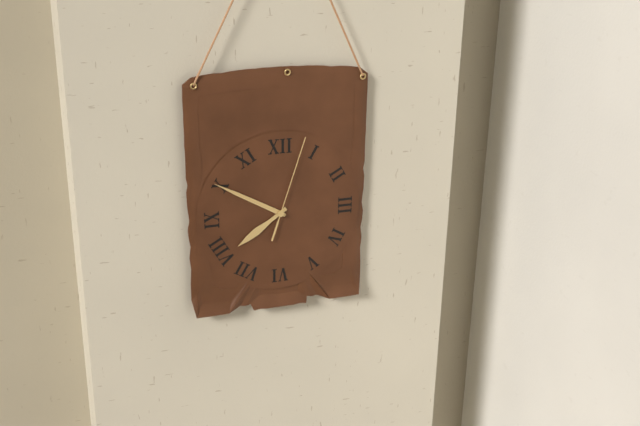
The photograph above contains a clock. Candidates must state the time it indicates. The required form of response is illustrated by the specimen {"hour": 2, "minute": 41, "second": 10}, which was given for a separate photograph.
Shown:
{"hour": 7, "minute": 50, "second": 3}
